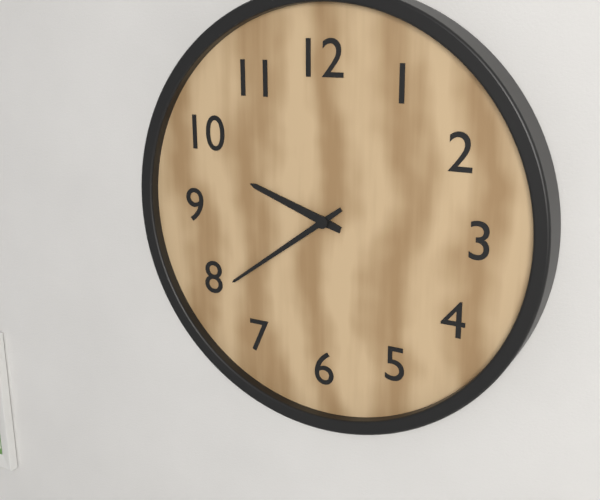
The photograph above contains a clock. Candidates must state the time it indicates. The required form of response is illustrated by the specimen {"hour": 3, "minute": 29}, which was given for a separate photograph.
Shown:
{"hour": 9, "minute": 39}
